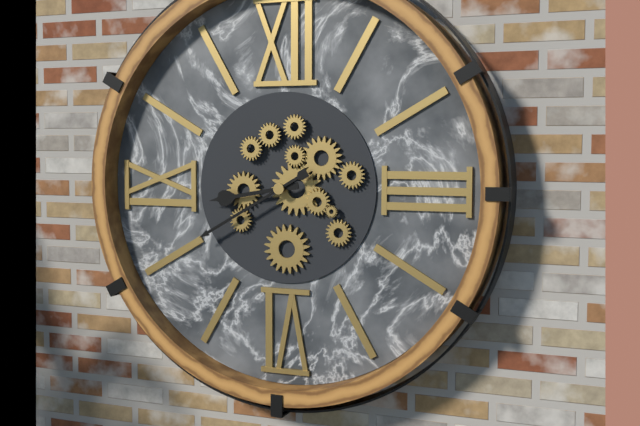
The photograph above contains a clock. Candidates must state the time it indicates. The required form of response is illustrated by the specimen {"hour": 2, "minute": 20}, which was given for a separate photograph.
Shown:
{"hour": 8, "minute": 40}
